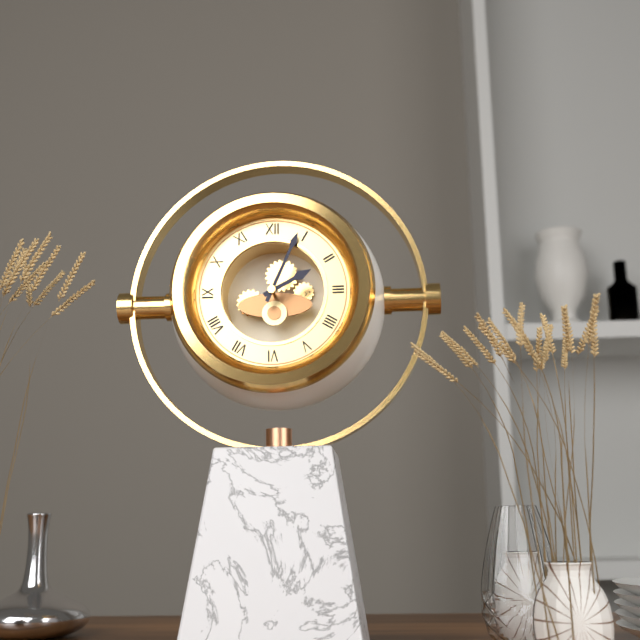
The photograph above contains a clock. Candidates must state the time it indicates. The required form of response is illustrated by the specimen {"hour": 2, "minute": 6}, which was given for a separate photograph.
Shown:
{"hour": 2, "minute": 4}
